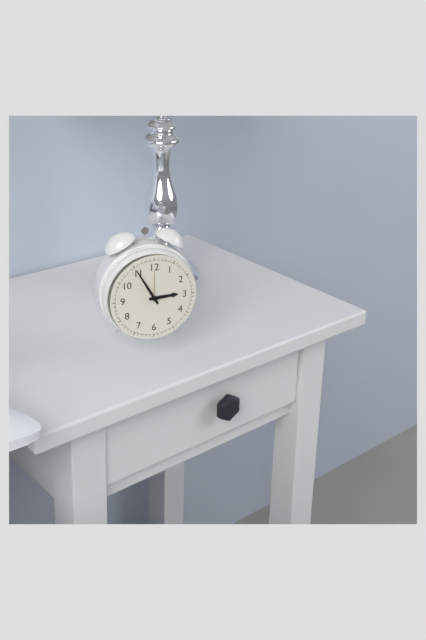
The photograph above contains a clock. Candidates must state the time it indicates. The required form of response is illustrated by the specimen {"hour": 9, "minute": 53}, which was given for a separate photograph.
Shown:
{"hour": 2, "minute": 55}
